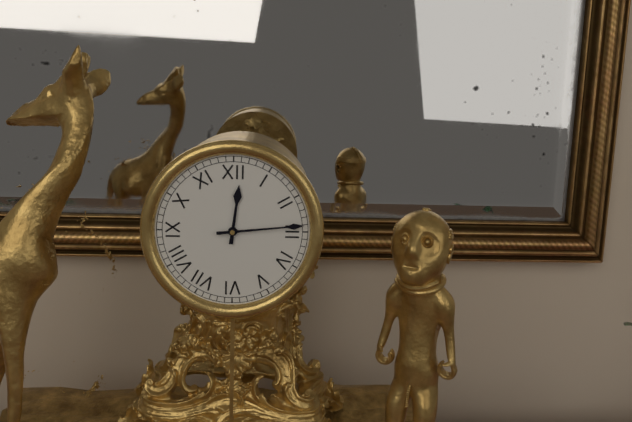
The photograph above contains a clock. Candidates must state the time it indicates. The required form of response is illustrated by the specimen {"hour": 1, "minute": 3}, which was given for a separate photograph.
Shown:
{"hour": 12, "minute": 14}
